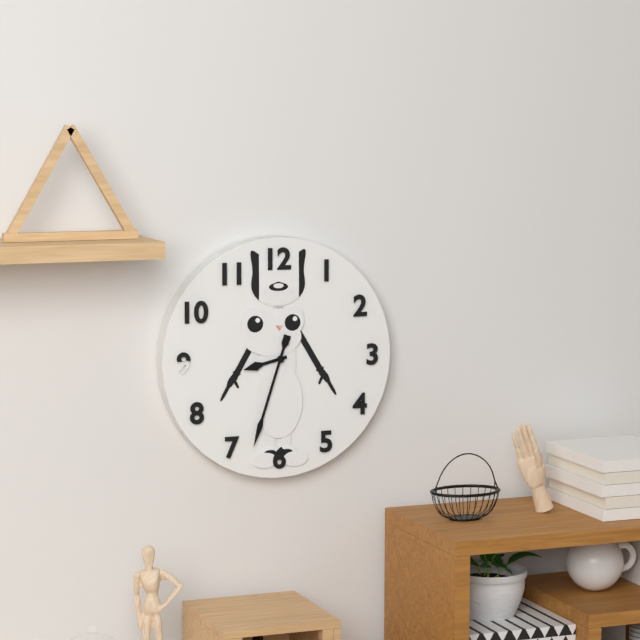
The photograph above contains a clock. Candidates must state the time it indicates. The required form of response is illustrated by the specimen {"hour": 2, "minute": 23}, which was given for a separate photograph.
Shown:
{"hour": 8, "minute": 33}
